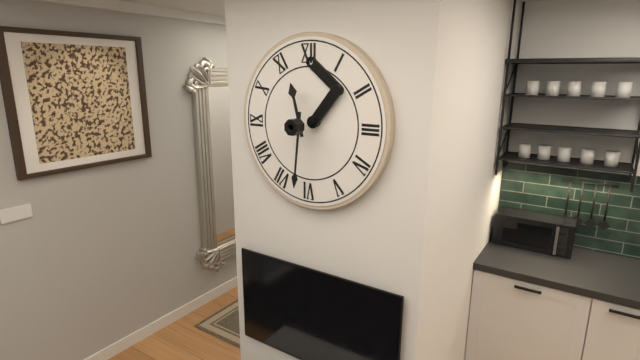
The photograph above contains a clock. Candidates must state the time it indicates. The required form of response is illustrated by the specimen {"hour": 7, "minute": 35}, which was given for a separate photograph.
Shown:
{"hour": 11, "minute": 31}
